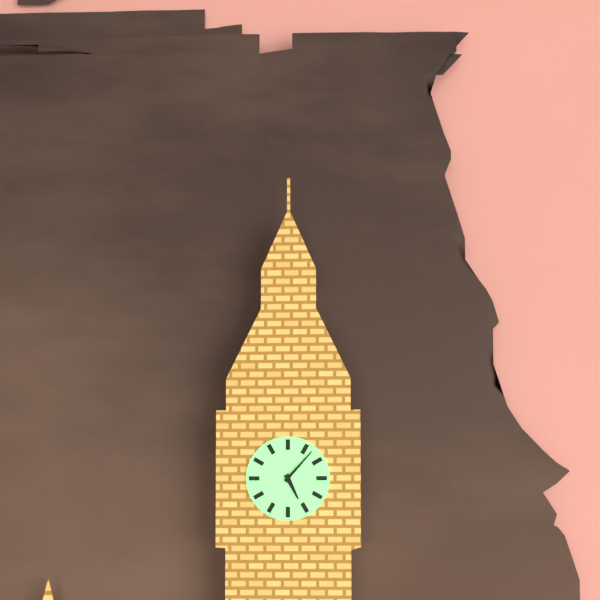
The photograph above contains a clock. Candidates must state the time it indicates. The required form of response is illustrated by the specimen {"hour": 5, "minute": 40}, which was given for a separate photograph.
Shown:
{"hour": 5, "minute": 7}
